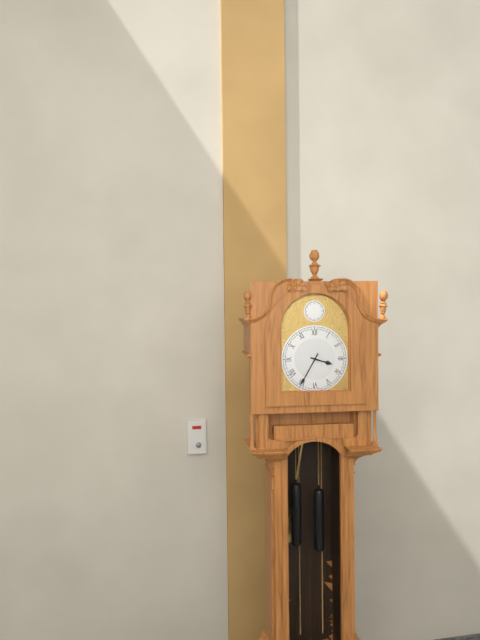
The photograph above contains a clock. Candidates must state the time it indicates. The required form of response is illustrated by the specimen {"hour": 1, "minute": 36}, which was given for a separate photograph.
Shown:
{"hour": 3, "minute": 35}
